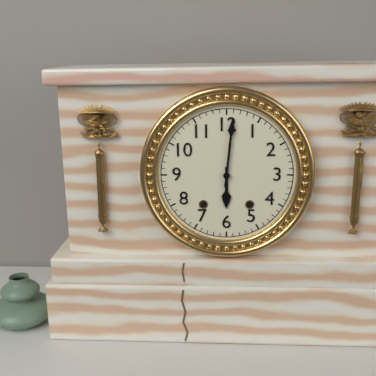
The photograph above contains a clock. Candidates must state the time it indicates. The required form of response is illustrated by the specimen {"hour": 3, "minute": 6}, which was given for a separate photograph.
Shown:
{"hour": 6, "minute": 1}
